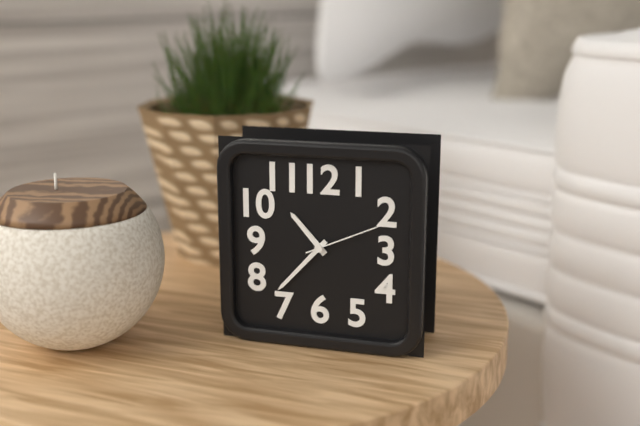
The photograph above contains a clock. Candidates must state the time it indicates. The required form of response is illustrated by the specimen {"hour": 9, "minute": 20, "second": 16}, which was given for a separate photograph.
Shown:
{"hour": 10, "minute": 37, "second": 11}
